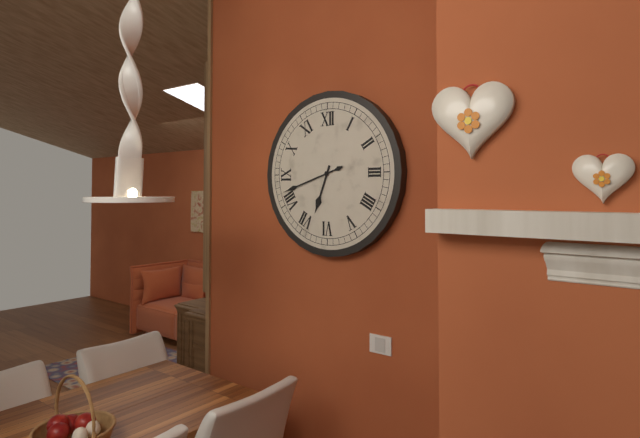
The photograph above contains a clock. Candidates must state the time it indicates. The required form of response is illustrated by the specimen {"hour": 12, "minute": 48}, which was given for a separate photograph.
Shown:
{"hour": 6, "minute": 42}
